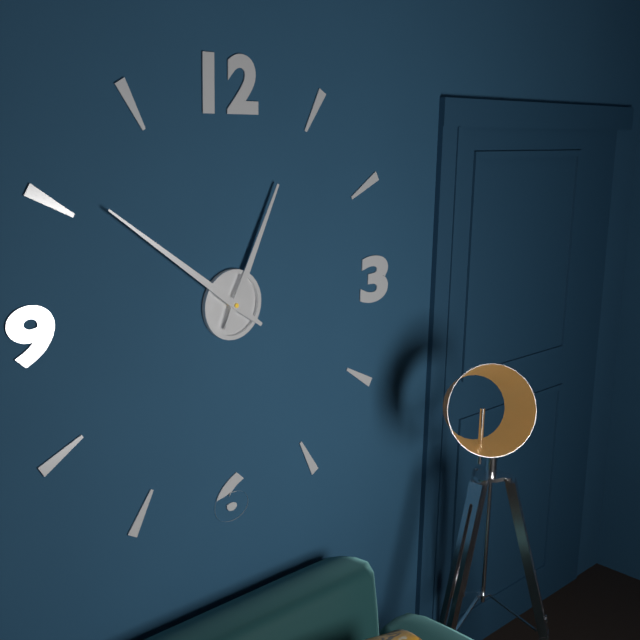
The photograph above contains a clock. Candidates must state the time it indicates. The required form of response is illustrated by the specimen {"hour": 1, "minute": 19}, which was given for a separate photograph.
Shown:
{"hour": 12, "minute": 51}
